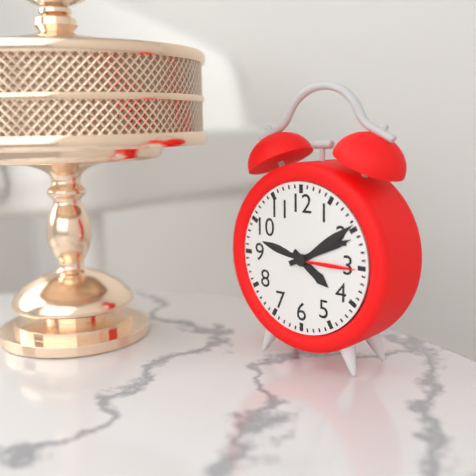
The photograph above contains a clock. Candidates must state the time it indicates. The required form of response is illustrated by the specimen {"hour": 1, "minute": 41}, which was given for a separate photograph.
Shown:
{"hour": 4, "minute": 11}
